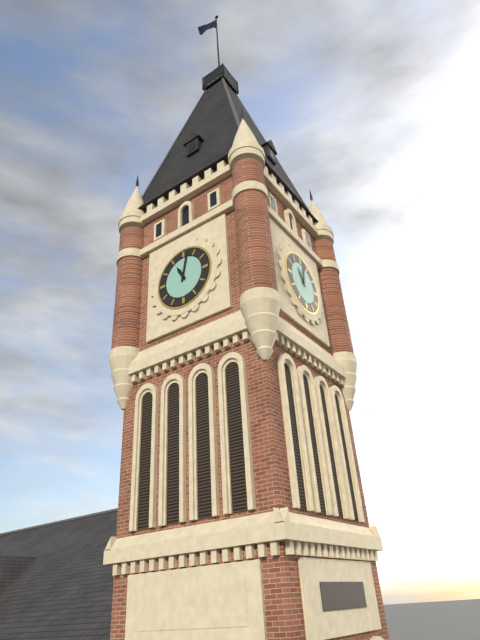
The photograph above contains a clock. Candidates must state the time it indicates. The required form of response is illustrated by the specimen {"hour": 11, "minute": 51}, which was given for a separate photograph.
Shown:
{"hour": 11, "minute": 2}
